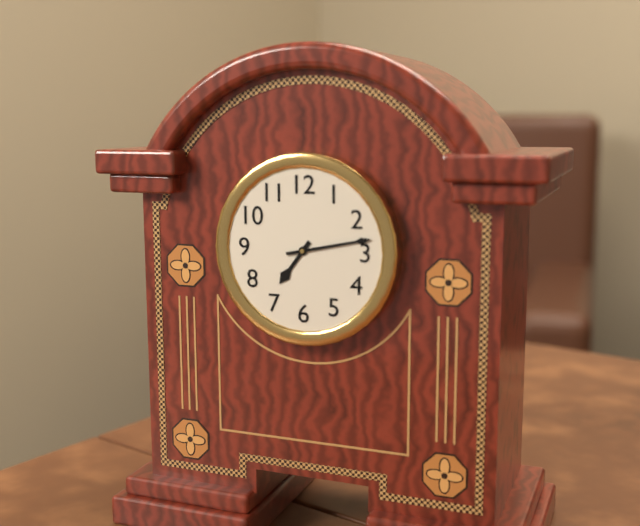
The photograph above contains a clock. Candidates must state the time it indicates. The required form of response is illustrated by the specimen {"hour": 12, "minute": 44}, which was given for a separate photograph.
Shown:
{"hour": 7, "minute": 13}
